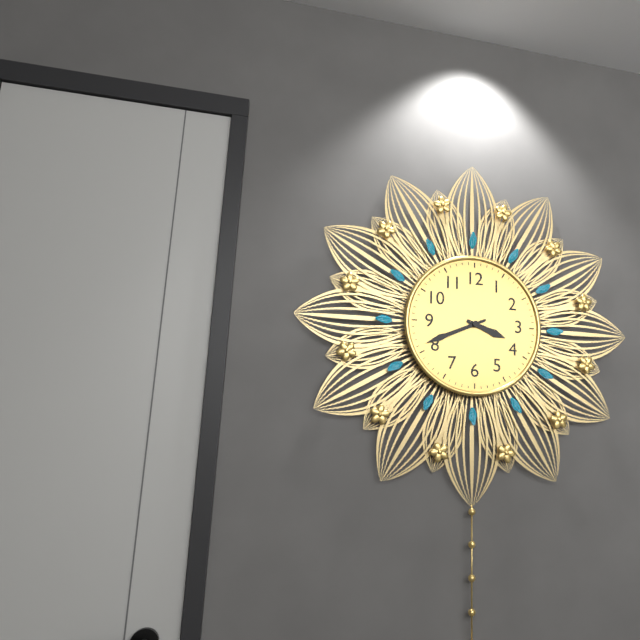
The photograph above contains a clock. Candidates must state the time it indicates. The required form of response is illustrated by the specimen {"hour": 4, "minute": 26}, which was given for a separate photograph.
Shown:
{"hour": 3, "minute": 41}
